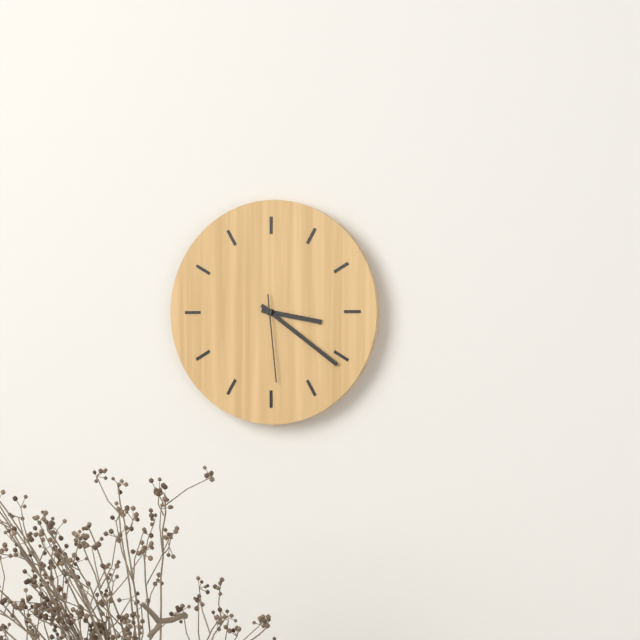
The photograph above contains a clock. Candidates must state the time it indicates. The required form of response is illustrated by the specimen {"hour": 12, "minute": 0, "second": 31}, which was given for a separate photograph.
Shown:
{"hour": 3, "minute": 21, "second": 29}
